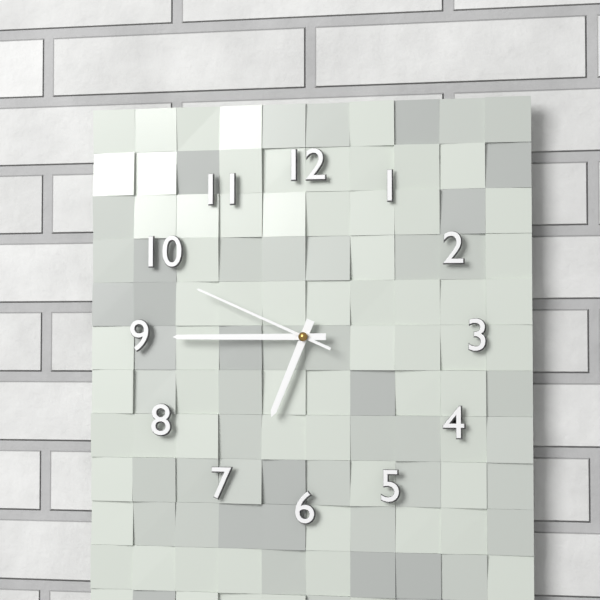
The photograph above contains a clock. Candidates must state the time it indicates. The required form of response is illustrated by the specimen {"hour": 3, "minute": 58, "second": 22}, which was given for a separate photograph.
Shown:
{"hour": 6, "minute": 45, "second": 49}
